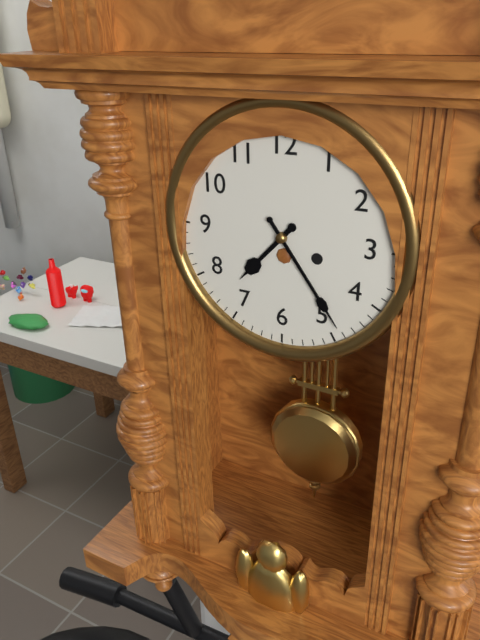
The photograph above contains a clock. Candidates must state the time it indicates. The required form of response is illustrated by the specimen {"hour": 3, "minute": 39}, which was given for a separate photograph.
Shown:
{"hour": 7, "minute": 24}
